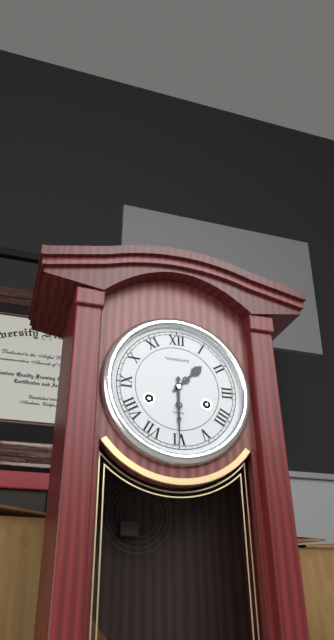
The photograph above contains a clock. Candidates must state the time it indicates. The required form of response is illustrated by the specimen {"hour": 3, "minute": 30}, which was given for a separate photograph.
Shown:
{"hour": 1, "minute": 30}
